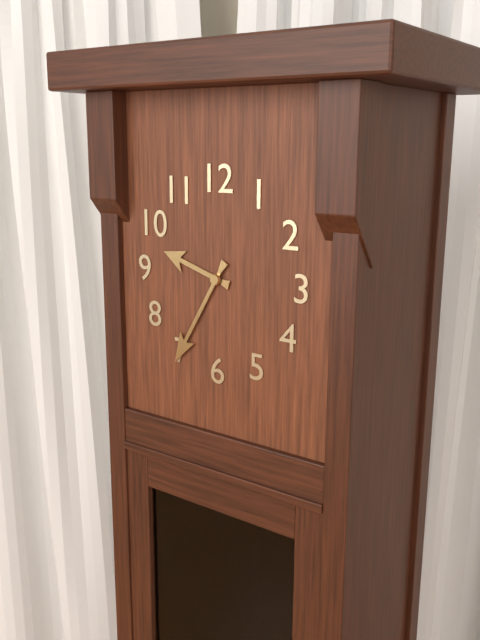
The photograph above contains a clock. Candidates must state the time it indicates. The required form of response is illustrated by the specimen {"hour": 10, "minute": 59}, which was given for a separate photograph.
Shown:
{"hour": 9, "minute": 35}
